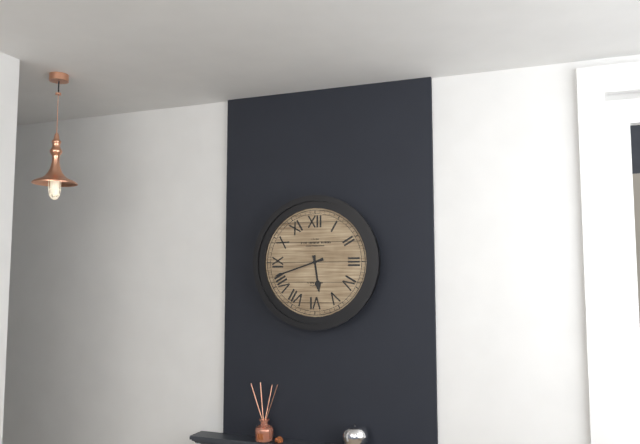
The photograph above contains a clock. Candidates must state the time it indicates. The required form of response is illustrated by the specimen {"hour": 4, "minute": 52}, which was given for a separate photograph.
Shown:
{"hour": 5, "minute": 42}
